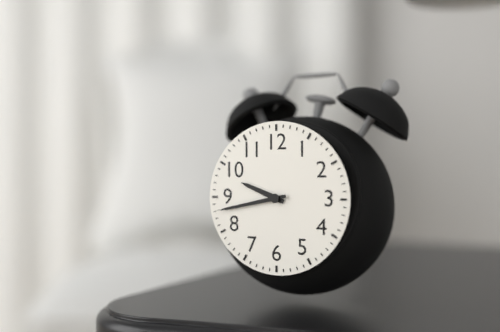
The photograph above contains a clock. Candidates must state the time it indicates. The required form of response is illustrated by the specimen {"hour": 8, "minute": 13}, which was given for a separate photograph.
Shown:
{"hour": 9, "minute": 43}
